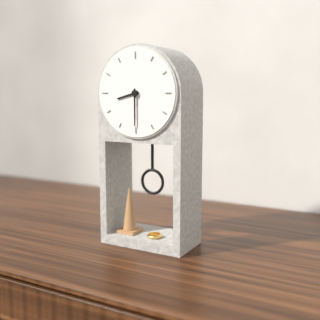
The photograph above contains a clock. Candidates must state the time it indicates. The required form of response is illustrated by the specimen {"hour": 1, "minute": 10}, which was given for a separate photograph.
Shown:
{"hour": 8, "minute": 30}
